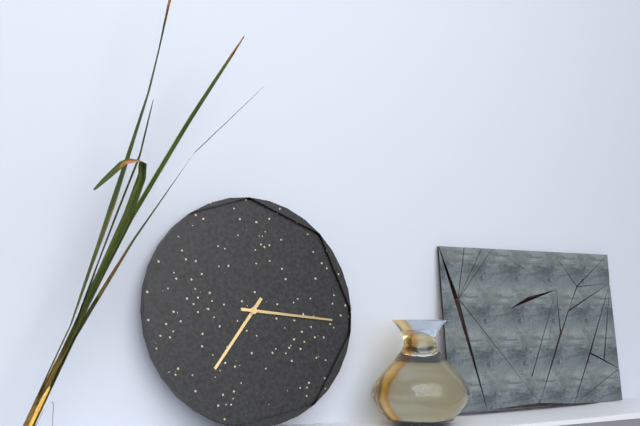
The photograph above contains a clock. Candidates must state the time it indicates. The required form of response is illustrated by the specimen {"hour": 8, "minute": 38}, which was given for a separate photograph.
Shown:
{"hour": 7, "minute": 16}
